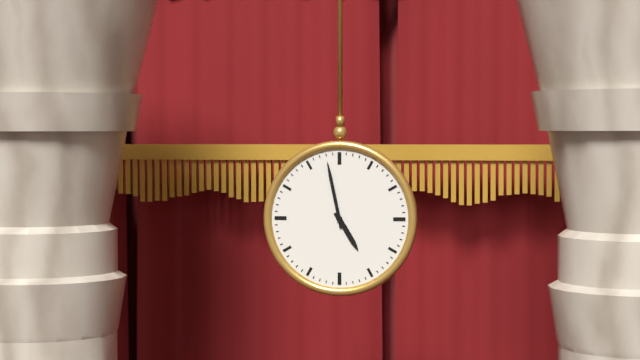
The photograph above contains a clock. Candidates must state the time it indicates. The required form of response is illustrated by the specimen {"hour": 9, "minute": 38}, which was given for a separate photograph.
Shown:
{"hour": 4, "minute": 58}
